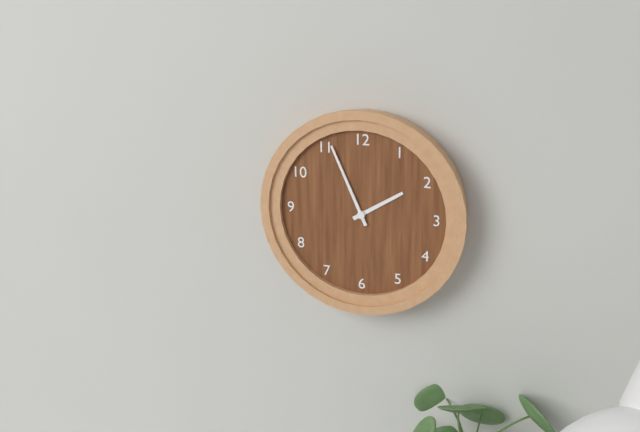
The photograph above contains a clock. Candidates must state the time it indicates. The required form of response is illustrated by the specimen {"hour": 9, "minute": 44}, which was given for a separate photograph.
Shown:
{"hour": 1, "minute": 56}
